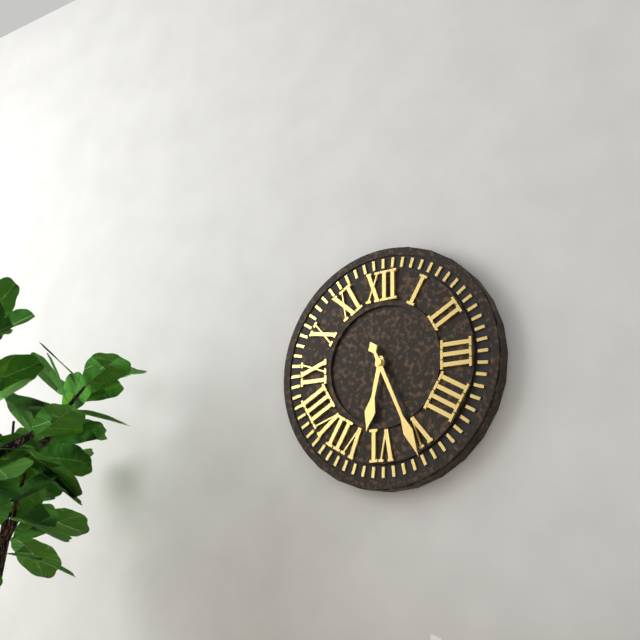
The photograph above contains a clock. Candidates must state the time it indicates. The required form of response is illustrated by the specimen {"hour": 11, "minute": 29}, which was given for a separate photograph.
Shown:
{"hour": 6, "minute": 26}
